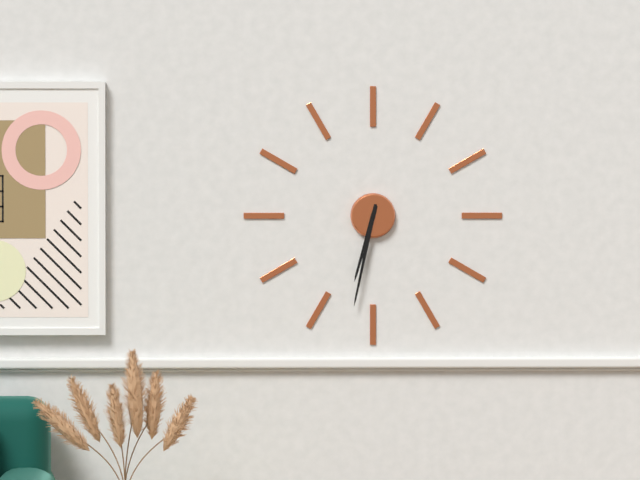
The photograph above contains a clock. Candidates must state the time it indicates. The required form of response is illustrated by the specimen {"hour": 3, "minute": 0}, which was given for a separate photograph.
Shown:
{"hour": 6, "minute": 32}
